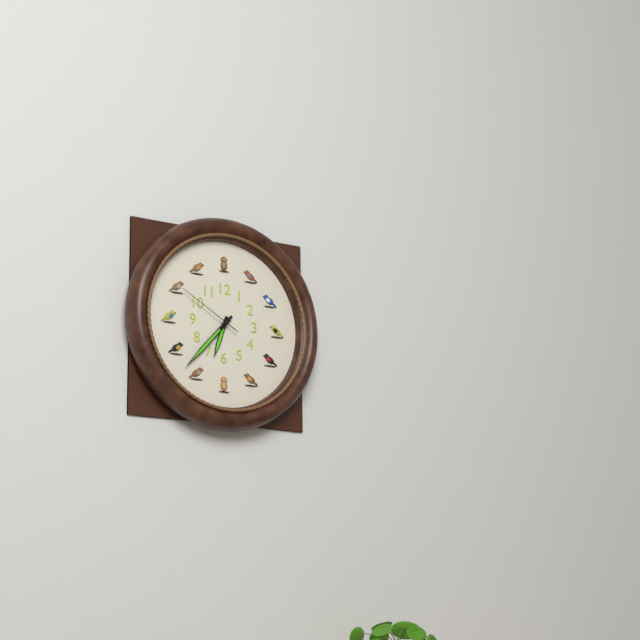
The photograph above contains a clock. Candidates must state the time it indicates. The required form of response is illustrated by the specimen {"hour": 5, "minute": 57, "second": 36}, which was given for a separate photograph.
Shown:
{"hour": 6, "minute": 37, "second": 50}
